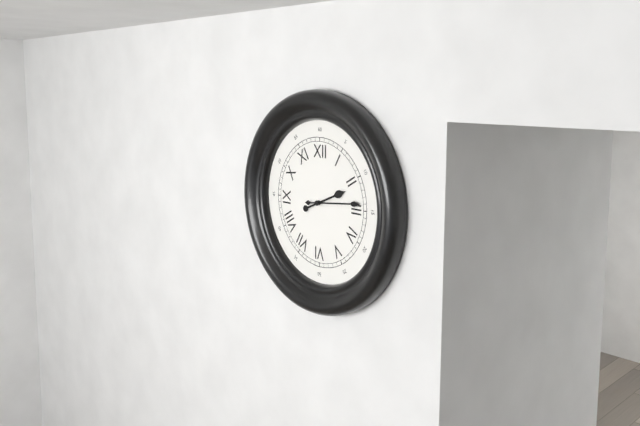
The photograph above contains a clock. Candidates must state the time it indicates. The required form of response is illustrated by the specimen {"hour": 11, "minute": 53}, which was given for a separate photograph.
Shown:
{"hour": 2, "minute": 14}
